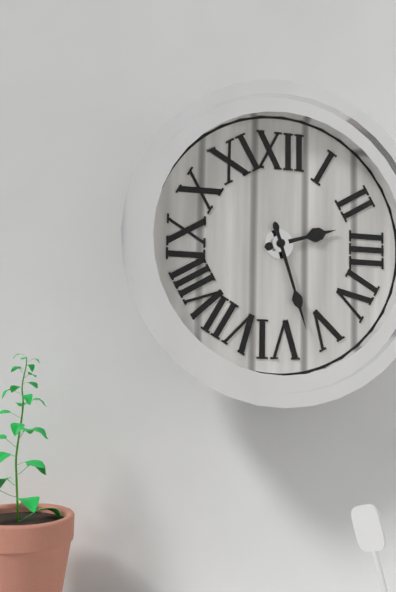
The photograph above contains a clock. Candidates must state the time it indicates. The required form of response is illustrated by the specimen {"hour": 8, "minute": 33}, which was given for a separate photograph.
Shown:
{"hour": 2, "minute": 27}
